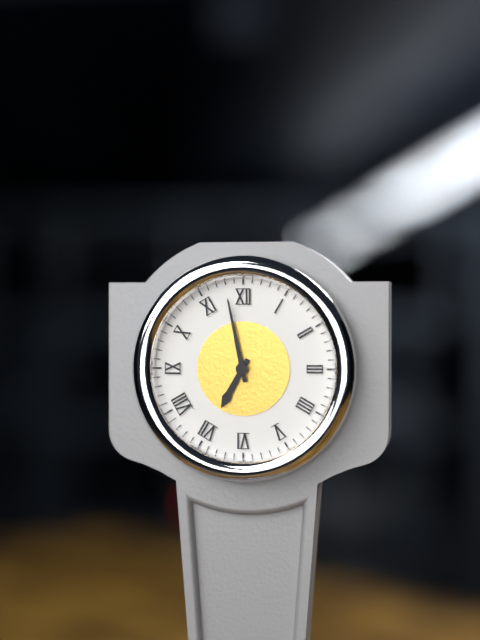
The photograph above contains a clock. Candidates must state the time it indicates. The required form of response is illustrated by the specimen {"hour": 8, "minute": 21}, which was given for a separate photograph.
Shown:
{"hour": 6, "minute": 58}
